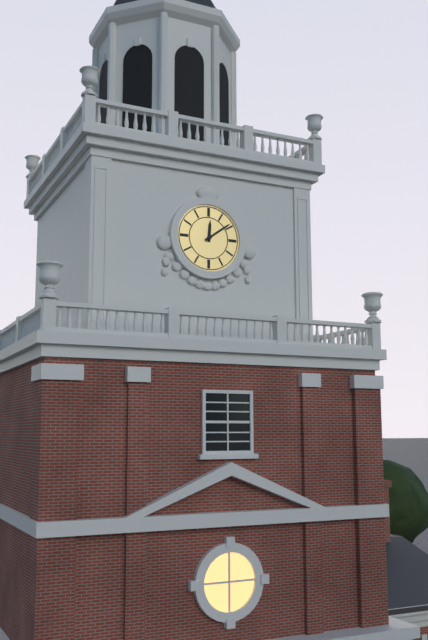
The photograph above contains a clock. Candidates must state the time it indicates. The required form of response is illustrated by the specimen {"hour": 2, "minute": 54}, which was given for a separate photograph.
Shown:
{"hour": 12, "minute": 9}
